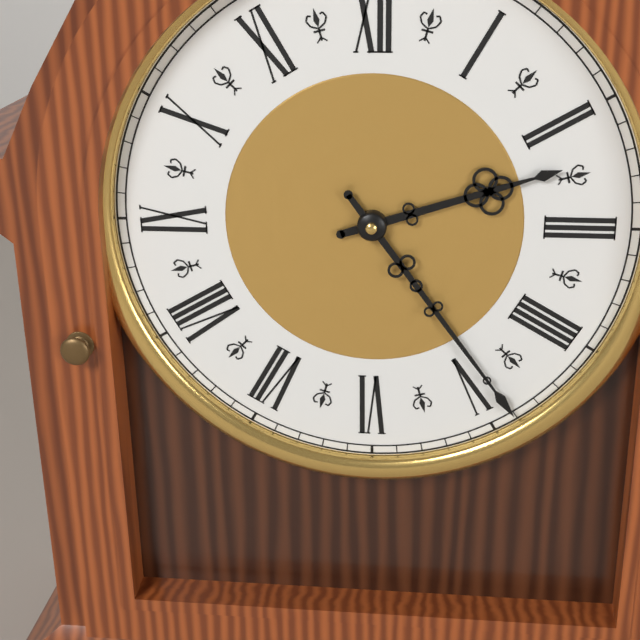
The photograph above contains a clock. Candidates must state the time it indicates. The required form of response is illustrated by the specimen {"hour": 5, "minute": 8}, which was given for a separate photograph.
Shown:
{"hour": 2, "minute": 24}
